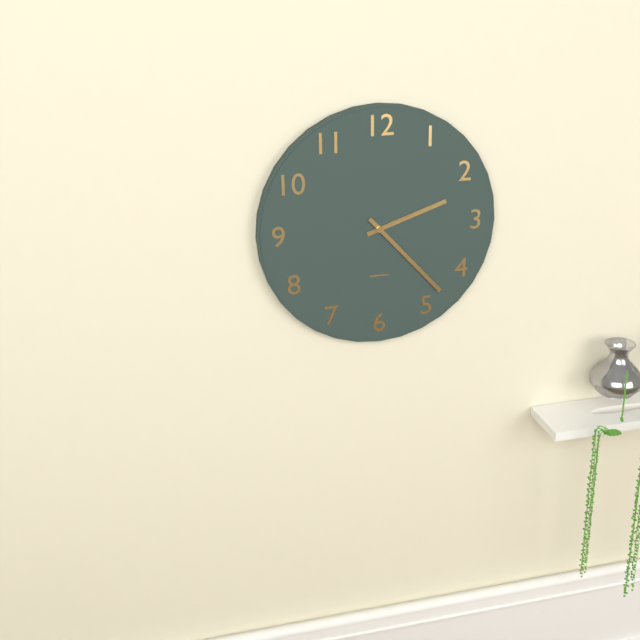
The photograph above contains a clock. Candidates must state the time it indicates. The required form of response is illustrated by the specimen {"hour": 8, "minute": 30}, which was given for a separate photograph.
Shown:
{"hour": 2, "minute": 23}
